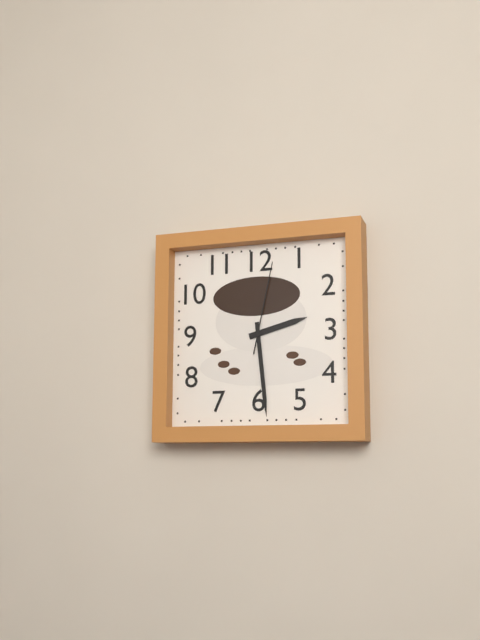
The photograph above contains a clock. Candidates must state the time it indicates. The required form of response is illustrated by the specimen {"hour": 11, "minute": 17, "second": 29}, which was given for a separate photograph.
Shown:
{"hour": 2, "minute": 29, "second": 2}
